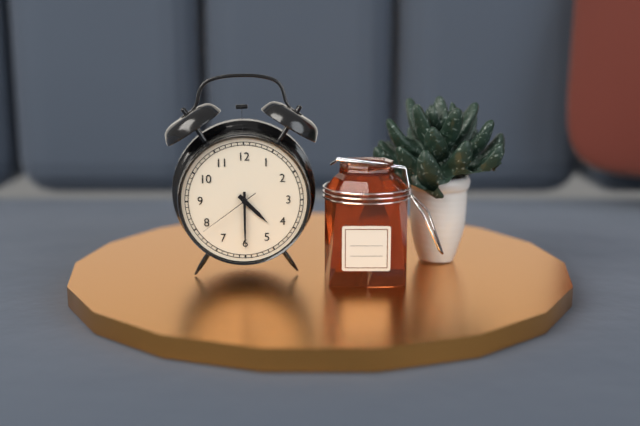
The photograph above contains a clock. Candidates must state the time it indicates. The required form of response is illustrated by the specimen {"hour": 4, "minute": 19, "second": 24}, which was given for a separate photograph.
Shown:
{"hour": 4, "minute": 30, "second": 39}
